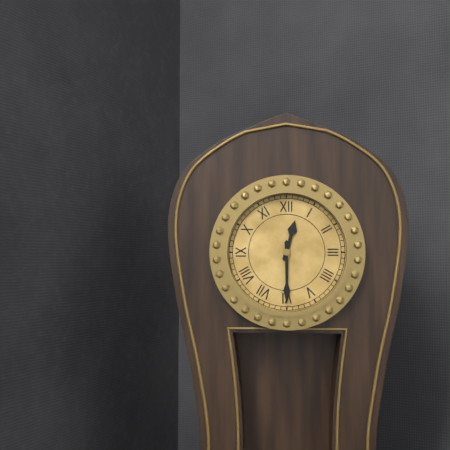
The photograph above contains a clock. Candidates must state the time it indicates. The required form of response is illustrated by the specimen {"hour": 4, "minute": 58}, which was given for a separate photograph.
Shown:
{"hour": 12, "minute": 30}
